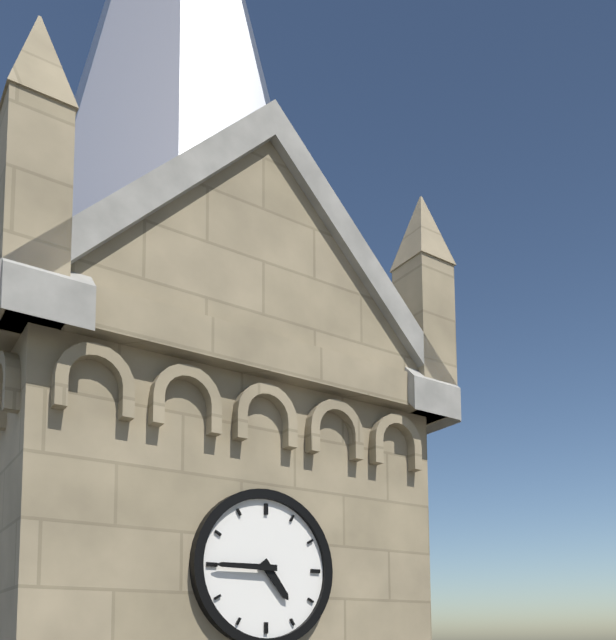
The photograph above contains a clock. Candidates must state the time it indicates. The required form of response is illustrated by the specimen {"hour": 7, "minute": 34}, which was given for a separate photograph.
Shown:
{"hour": 4, "minute": 45}
